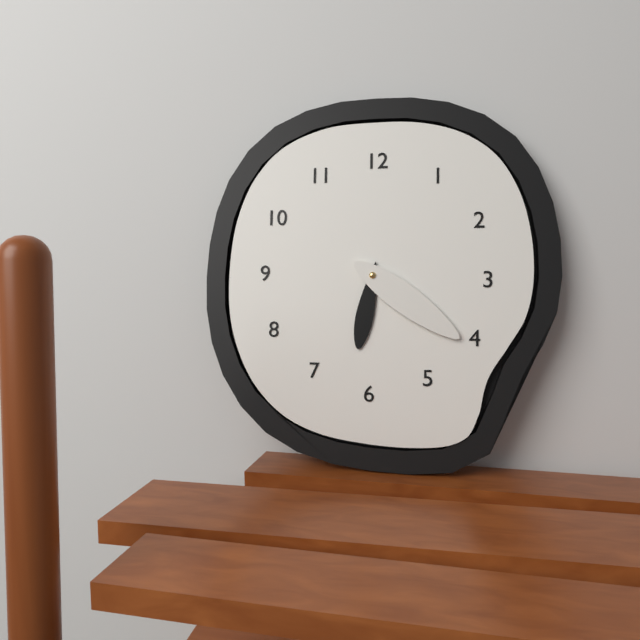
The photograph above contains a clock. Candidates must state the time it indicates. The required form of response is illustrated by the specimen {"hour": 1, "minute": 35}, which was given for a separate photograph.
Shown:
{"hour": 6, "minute": 21}
